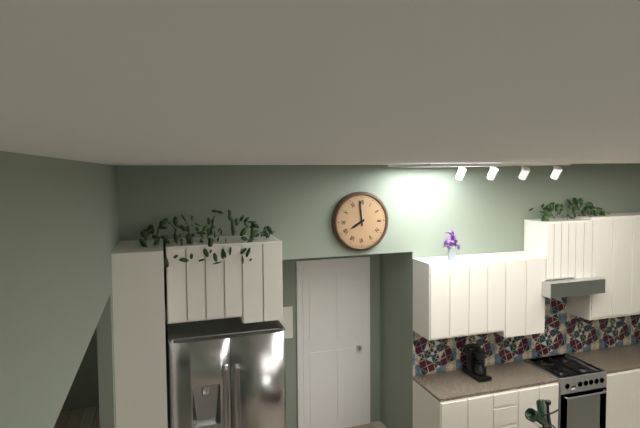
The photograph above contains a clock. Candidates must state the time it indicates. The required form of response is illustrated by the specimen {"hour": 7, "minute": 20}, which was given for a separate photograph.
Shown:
{"hour": 7, "minute": 59}
